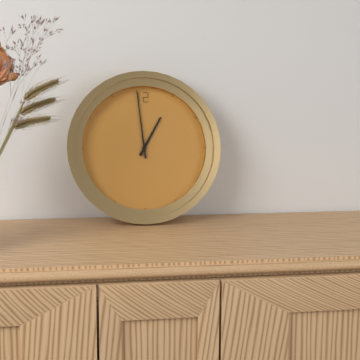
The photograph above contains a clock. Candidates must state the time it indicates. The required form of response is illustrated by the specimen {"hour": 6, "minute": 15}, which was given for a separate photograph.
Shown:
{"hour": 12, "minute": 59}
